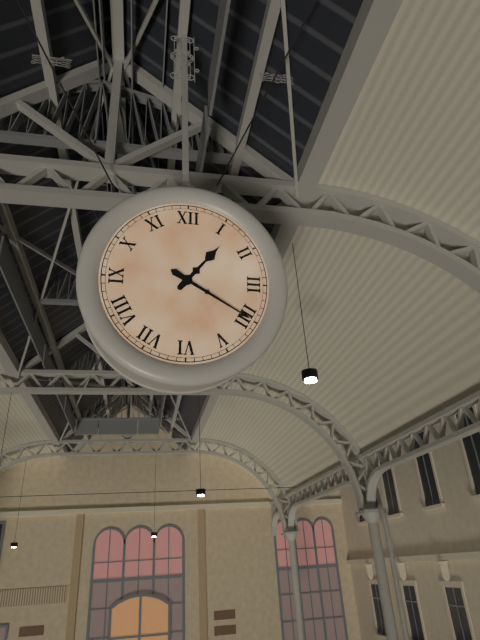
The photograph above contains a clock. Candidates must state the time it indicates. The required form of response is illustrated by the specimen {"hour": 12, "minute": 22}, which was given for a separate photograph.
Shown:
{"hour": 1, "minute": 20}
